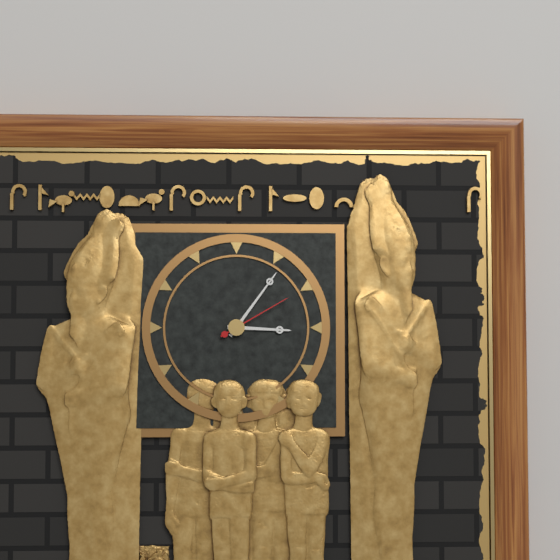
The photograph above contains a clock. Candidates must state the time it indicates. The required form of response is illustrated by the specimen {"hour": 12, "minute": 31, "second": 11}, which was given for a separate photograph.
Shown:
{"hour": 3, "minute": 6, "second": 10}
